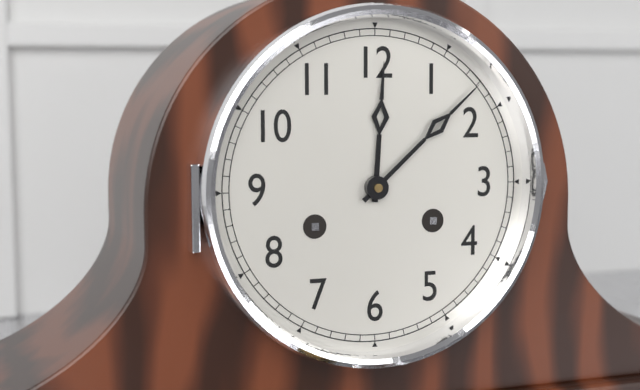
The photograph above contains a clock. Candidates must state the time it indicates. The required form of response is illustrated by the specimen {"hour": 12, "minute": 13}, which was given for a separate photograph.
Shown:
{"hour": 12, "minute": 8}
